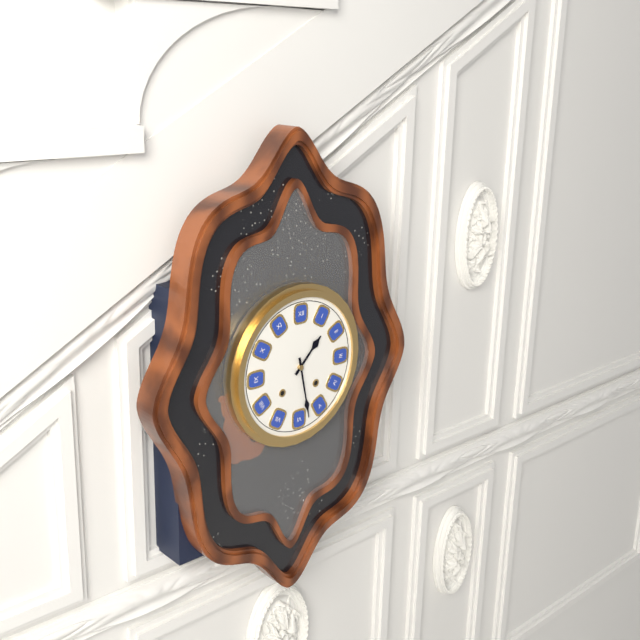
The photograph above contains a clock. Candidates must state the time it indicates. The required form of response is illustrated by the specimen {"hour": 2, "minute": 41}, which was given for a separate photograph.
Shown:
{"hour": 1, "minute": 28}
